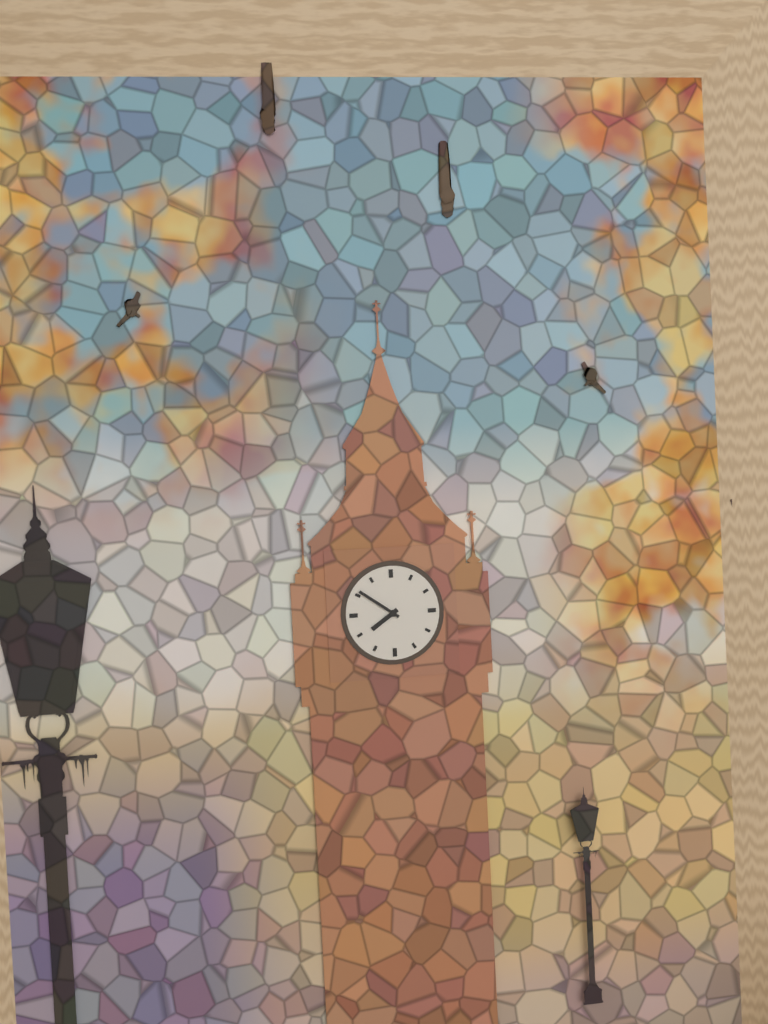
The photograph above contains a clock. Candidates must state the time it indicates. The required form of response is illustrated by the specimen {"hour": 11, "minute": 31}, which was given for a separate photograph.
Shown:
{"hour": 7, "minute": 51}
